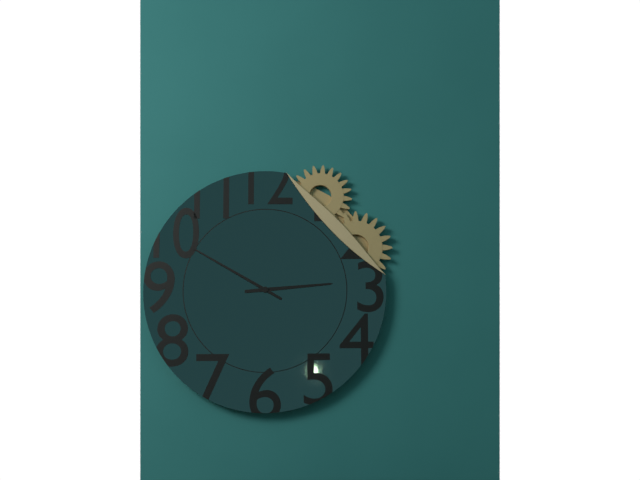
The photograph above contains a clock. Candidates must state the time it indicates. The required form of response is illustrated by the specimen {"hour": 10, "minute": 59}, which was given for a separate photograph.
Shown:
{"hour": 2, "minute": 50}
